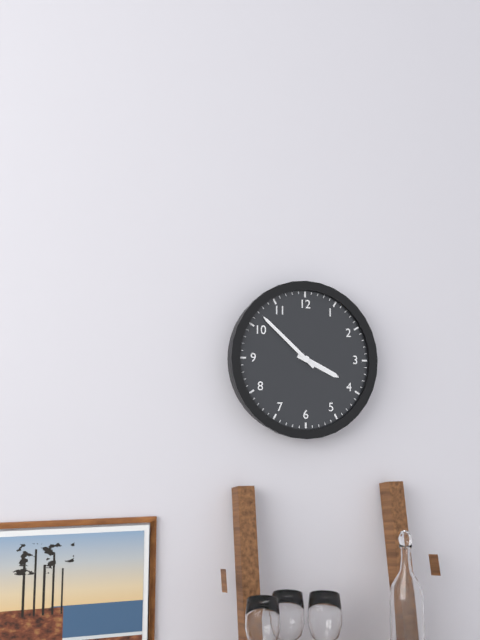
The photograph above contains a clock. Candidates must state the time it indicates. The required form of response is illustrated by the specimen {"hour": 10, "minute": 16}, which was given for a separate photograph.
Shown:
{"hour": 3, "minute": 52}
